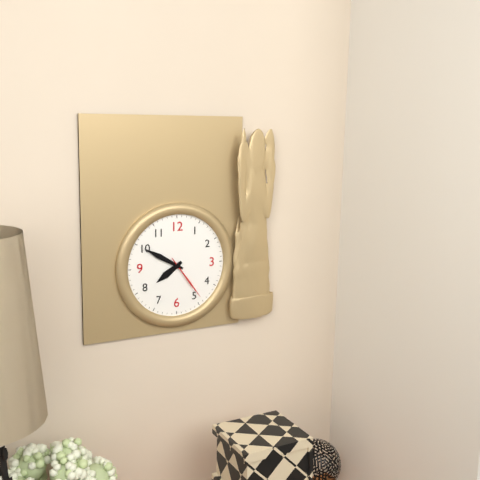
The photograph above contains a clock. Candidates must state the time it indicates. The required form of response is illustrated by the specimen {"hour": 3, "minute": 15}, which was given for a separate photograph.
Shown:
{"hour": 7, "minute": 50}
